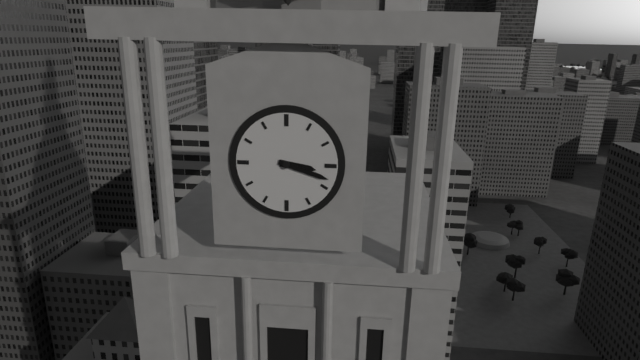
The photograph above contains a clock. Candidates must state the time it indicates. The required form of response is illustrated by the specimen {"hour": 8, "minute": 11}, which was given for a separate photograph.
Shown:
{"hour": 3, "minute": 18}
